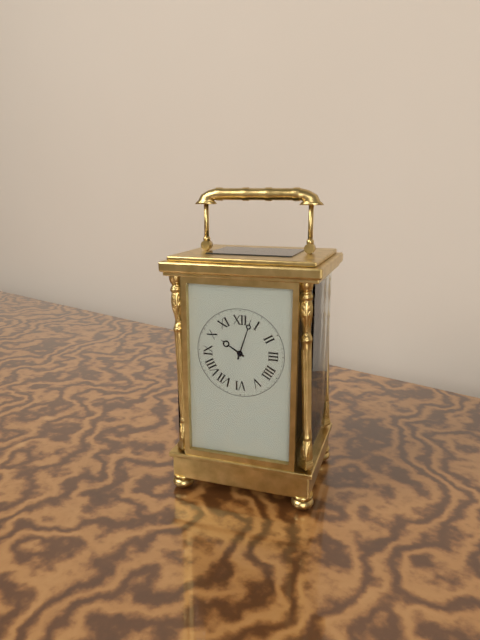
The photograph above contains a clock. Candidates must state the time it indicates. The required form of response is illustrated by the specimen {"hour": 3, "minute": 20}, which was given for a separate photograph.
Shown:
{"hour": 10, "minute": 3}
